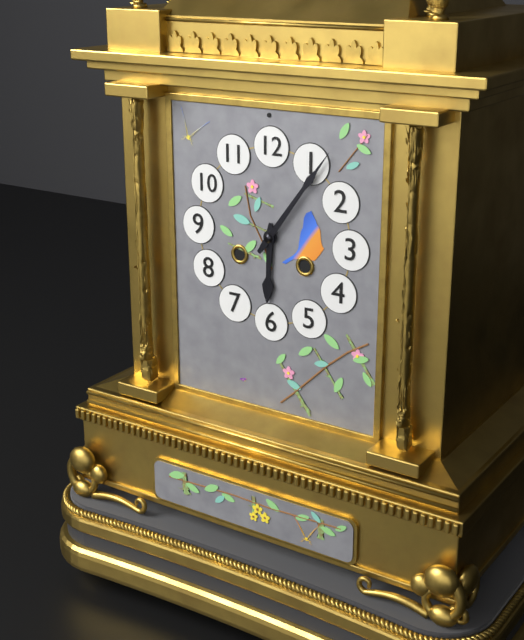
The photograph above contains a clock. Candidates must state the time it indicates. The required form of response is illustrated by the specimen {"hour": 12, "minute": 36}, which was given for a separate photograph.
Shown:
{"hour": 6, "minute": 6}
